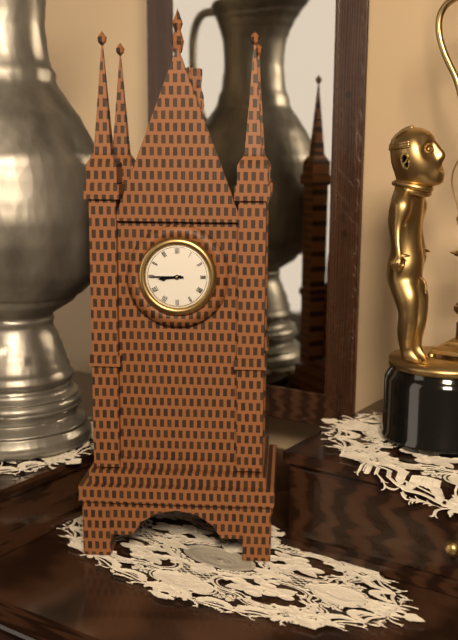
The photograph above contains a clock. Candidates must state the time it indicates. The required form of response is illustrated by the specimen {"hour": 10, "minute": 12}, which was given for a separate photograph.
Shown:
{"hour": 8, "minute": 45}
